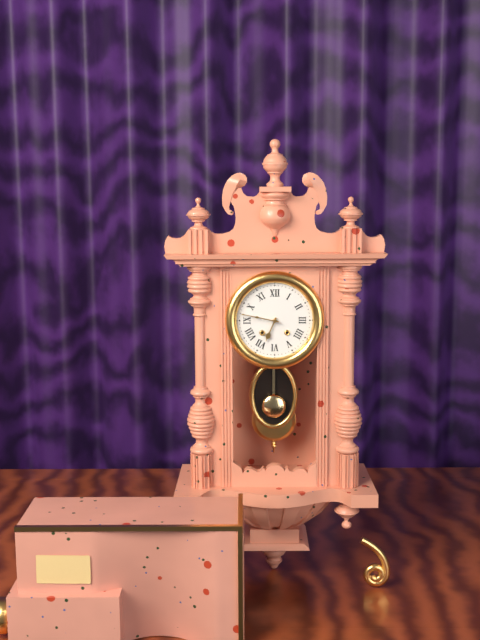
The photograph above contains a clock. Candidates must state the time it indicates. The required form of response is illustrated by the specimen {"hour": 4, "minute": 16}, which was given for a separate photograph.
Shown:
{"hour": 6, "minute": 47}
